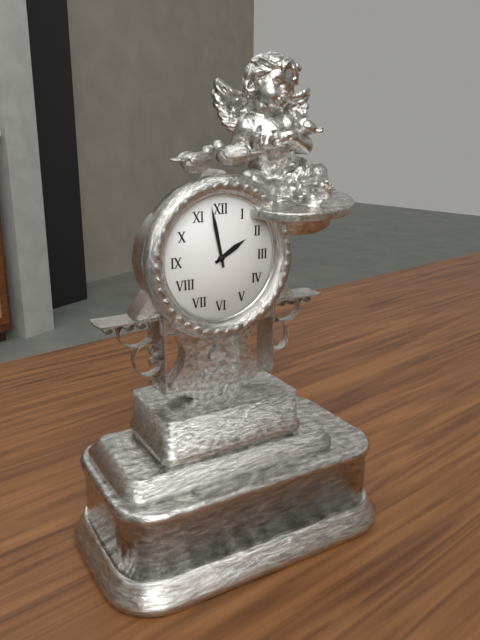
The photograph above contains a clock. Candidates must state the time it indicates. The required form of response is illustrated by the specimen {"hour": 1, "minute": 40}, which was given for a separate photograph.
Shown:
{"hour": 1, "minute": 58}
